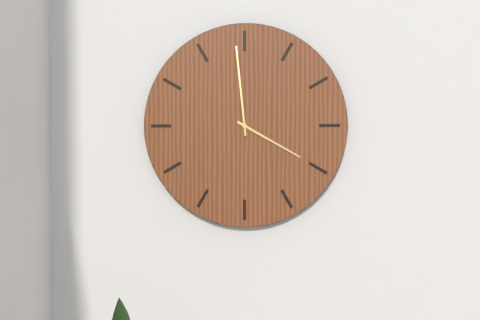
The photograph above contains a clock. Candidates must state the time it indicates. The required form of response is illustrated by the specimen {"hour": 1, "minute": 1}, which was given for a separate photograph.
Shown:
{"hour": 3, "minute": 59}
